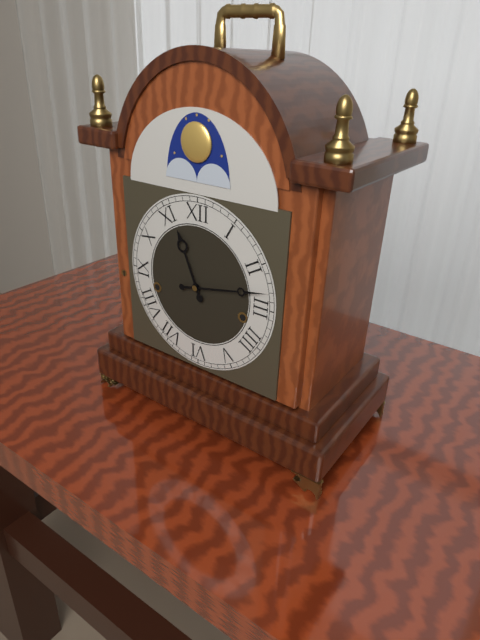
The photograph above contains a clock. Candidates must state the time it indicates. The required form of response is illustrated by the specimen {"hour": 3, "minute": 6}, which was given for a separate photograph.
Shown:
{"hour": 11, "minute": 13}
